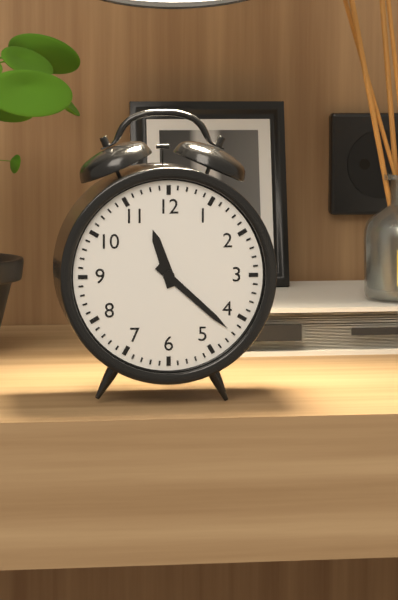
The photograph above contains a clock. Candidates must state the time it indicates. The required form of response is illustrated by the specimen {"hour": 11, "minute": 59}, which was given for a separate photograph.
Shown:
{"hour": 11, "minute": 22}
